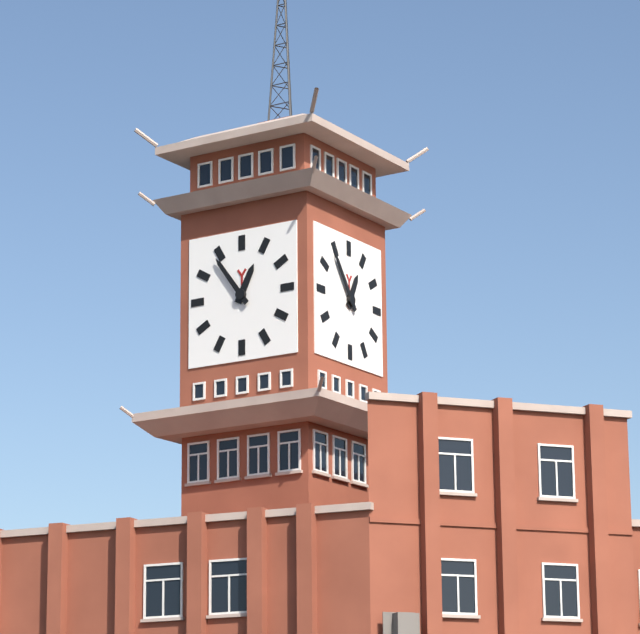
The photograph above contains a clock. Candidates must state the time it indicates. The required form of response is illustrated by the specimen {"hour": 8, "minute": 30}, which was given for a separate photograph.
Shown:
{"hour": 12, "minute": 54}
